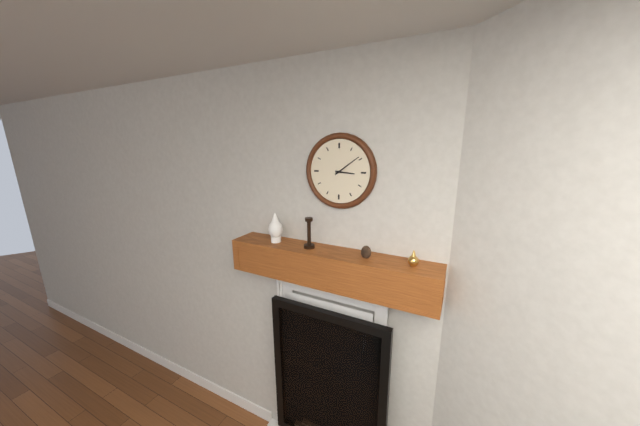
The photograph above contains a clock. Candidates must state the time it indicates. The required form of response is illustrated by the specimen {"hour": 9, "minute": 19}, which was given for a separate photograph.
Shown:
{"hour": 3, "minute": 9}
